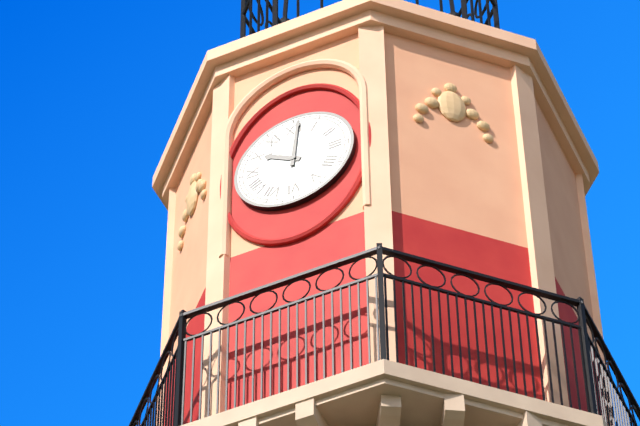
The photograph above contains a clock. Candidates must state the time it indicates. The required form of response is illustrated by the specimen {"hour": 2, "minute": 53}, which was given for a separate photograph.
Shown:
{"hour": 10, "minute": 1}
